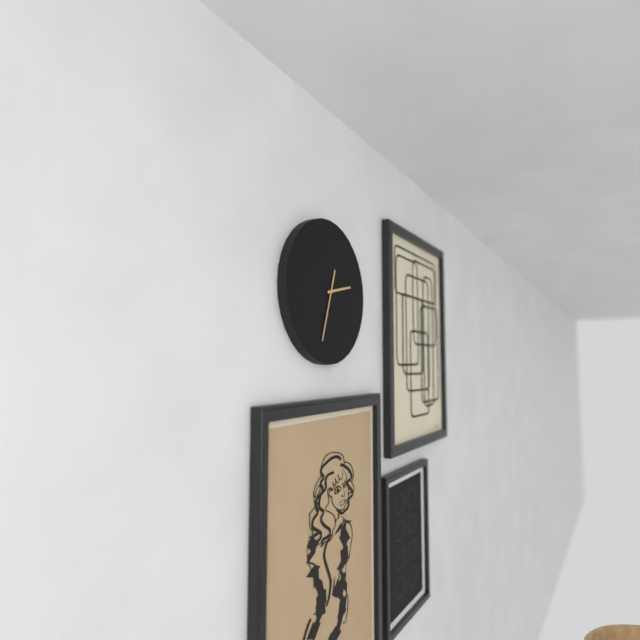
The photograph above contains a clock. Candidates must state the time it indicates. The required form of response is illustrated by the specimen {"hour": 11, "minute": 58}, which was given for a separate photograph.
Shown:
{"hour": 2, "minute": 33}
